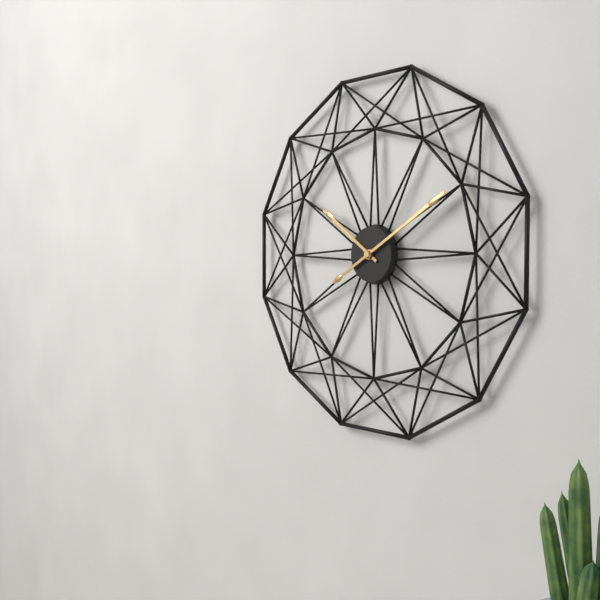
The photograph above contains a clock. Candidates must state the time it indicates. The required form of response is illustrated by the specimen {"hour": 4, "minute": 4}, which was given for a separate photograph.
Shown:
{"hour": 10, "minute": 10}
